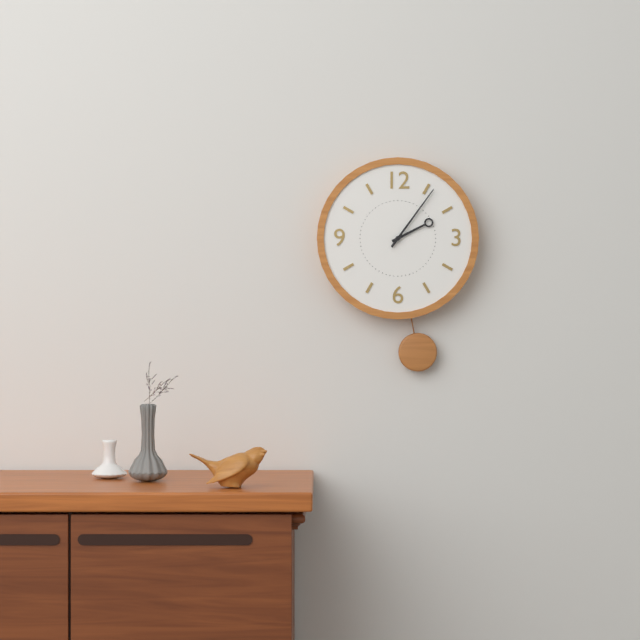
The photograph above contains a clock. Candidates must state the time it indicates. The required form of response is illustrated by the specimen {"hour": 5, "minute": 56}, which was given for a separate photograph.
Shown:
{"hour": 2, "minute": 6}
